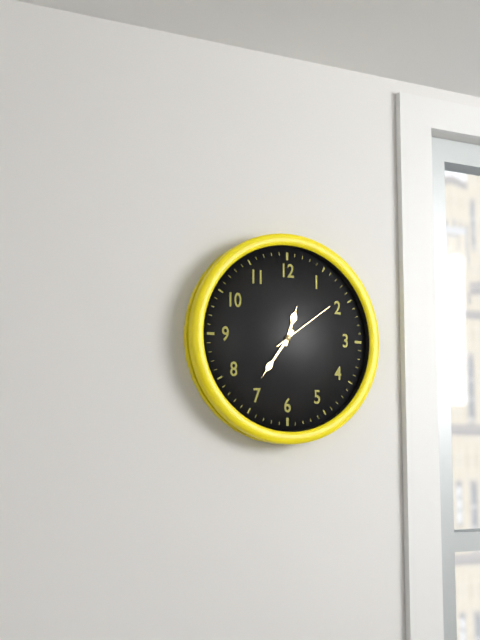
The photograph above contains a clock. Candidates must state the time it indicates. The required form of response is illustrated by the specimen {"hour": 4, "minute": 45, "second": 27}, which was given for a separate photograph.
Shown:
{"hour": 12, "minute": 36, "second": 9}
